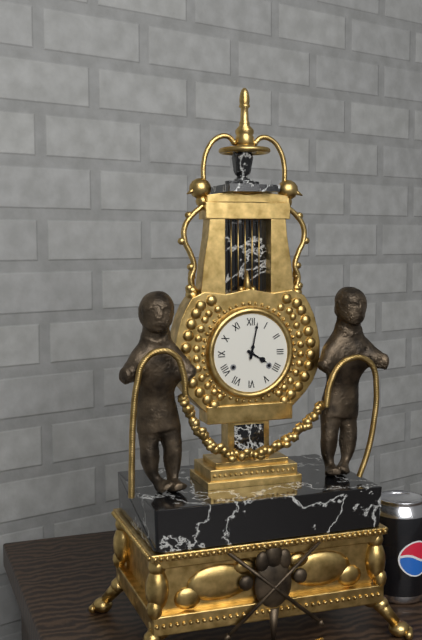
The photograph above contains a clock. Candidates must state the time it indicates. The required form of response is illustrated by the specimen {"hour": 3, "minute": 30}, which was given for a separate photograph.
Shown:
{"hour": 4, "minute": 2}
